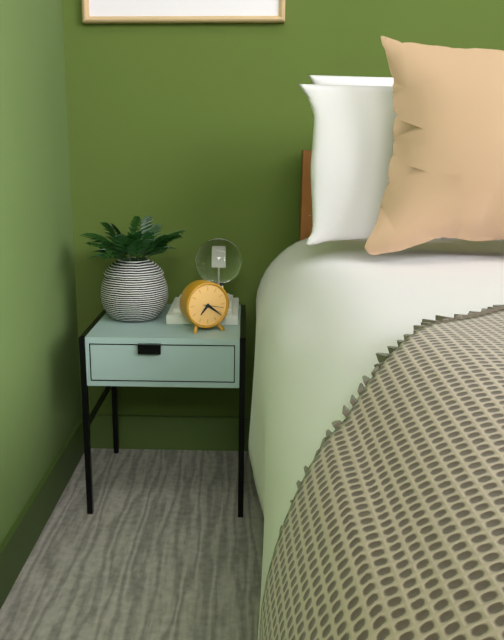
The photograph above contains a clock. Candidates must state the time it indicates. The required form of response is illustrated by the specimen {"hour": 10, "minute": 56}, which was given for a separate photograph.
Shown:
{"hour": 7, "minute": 21}
